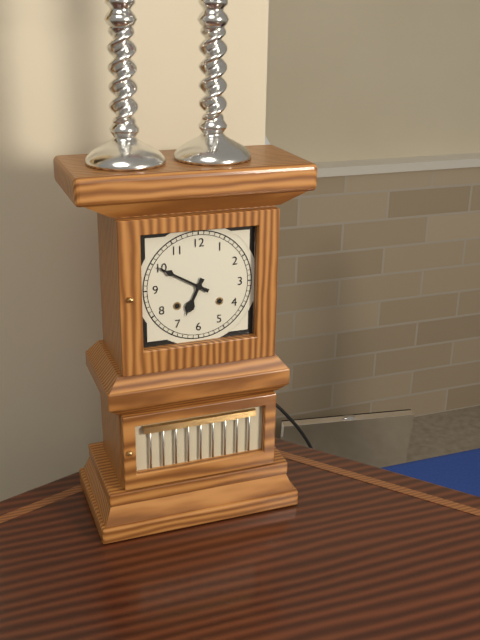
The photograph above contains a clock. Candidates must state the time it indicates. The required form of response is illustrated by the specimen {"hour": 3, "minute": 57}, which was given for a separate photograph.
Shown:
{"hour": 6, "minute": 50}
